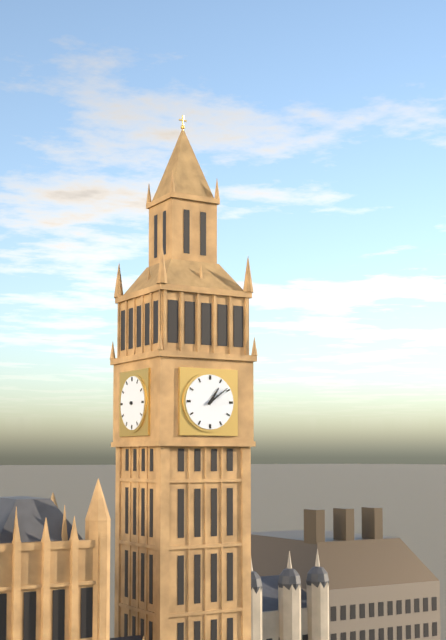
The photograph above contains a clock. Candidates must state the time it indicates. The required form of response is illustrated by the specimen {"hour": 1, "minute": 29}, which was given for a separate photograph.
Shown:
{"hour": 1, "minute": 9}
